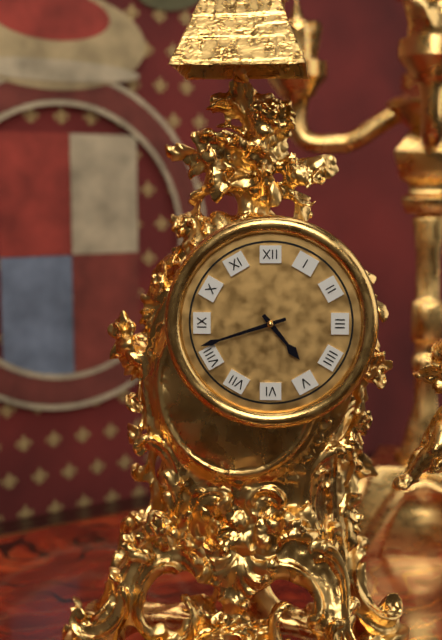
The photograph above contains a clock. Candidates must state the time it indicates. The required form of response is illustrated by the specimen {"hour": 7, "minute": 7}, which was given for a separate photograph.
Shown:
{"hour": 4, "minute": 42}
